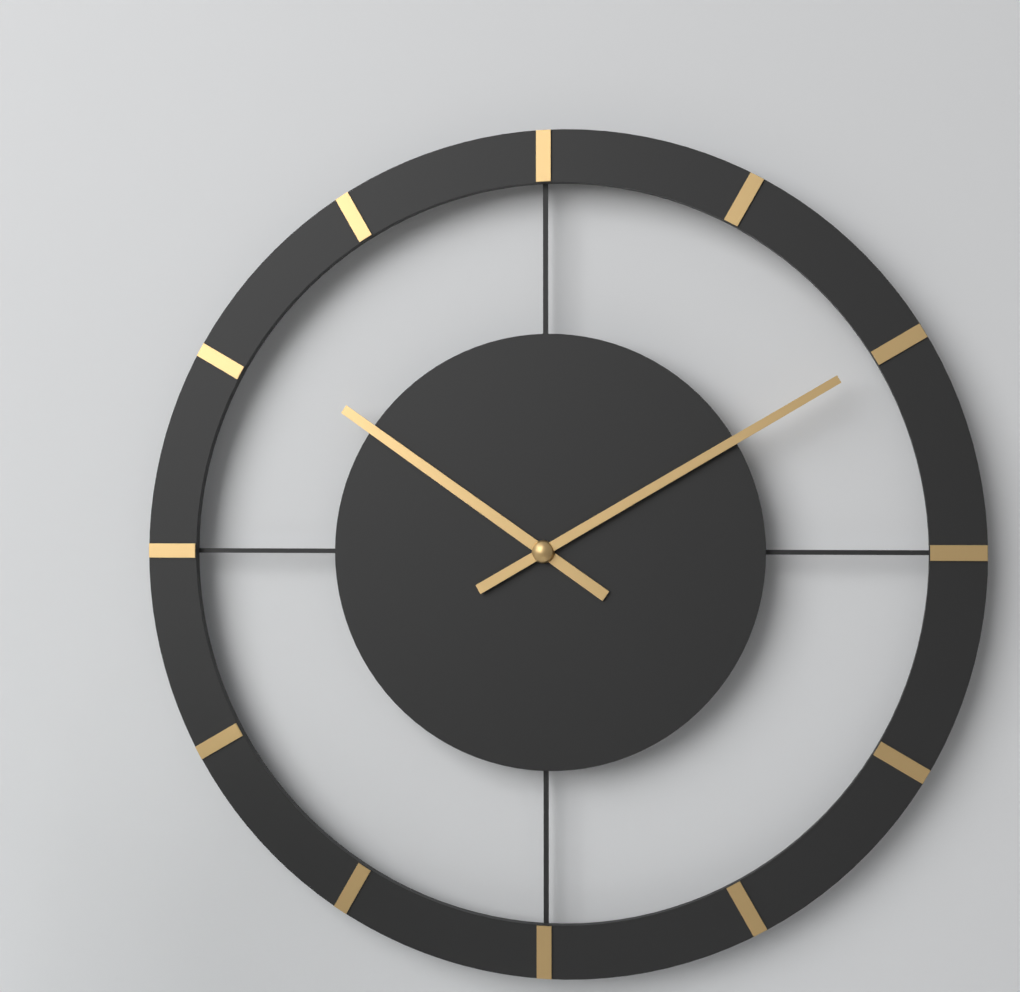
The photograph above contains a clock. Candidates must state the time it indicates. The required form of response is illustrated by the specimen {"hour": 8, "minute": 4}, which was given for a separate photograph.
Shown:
{"hour": 10, "minute": 10}
